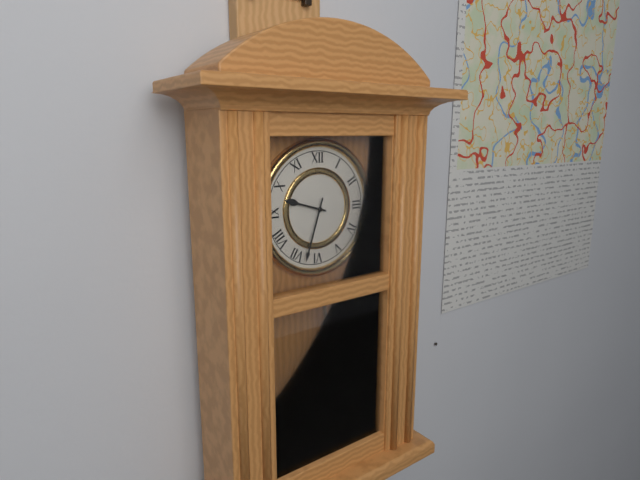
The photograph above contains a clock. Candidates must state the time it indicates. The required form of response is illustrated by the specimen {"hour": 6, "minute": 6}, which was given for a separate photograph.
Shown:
{"hour": 9, "minute": 33}
